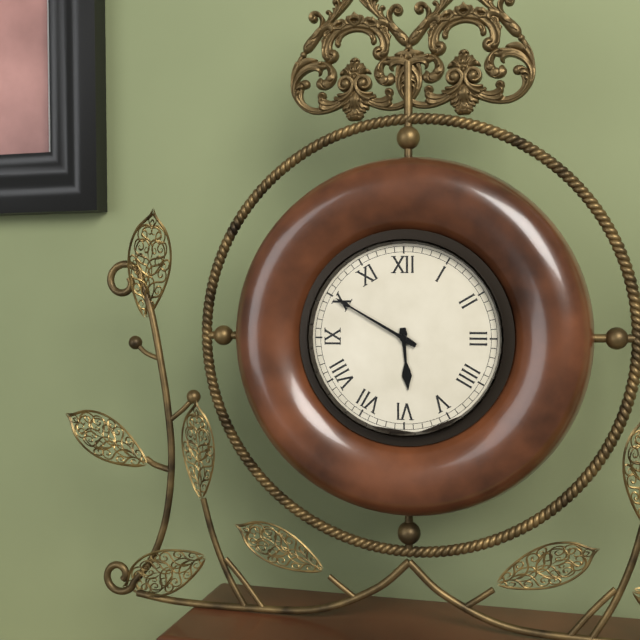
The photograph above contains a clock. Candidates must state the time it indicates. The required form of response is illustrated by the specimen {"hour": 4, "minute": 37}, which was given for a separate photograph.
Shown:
{"hour": 5, "minute": 50}
